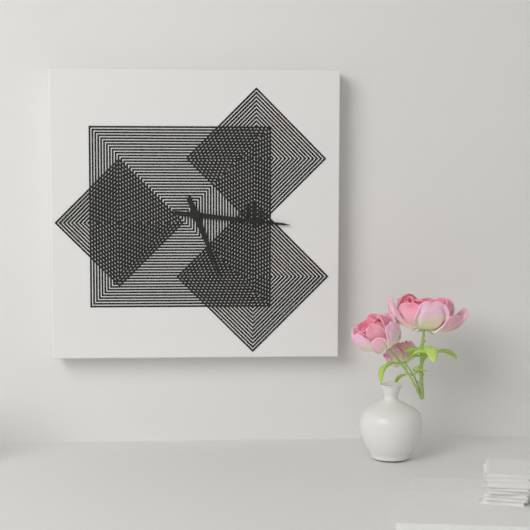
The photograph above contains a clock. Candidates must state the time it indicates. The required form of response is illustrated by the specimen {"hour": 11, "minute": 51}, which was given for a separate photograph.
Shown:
{"hour": 5, "minute": 16}
